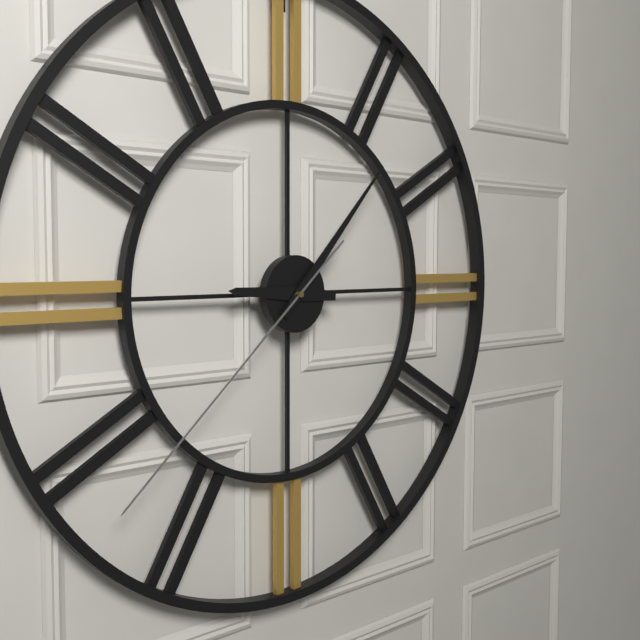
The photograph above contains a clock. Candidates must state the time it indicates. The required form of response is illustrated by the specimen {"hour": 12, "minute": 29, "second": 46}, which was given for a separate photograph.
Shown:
{"hour": 9, "minute": 7, "second": 38}
